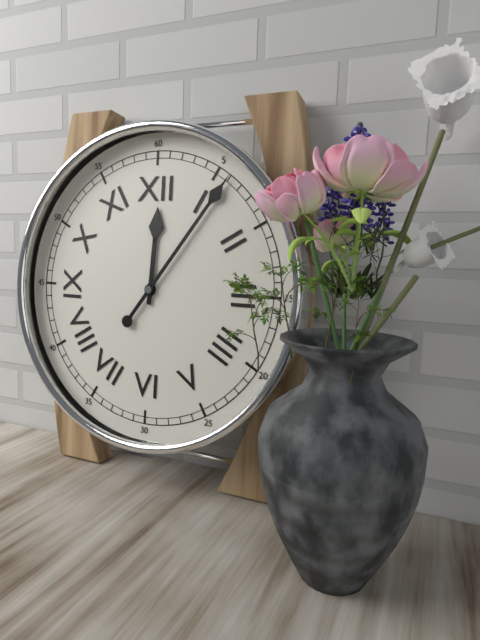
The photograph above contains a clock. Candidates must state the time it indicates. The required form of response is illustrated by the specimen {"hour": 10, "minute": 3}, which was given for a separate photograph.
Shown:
{"hour": 12, "minute": 6}
